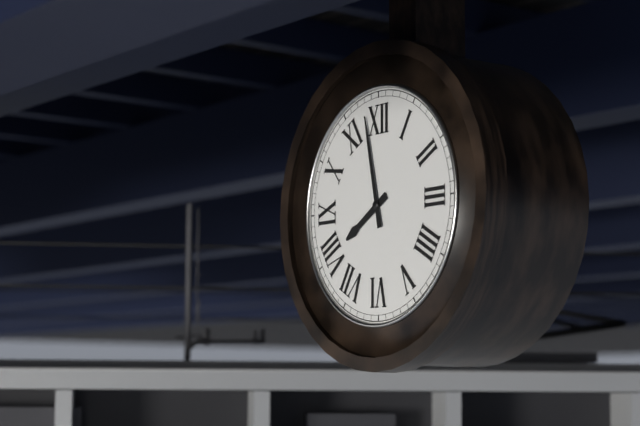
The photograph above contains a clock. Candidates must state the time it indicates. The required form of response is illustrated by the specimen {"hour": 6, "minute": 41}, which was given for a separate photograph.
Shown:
{"hour": 7, "minute": 58}
